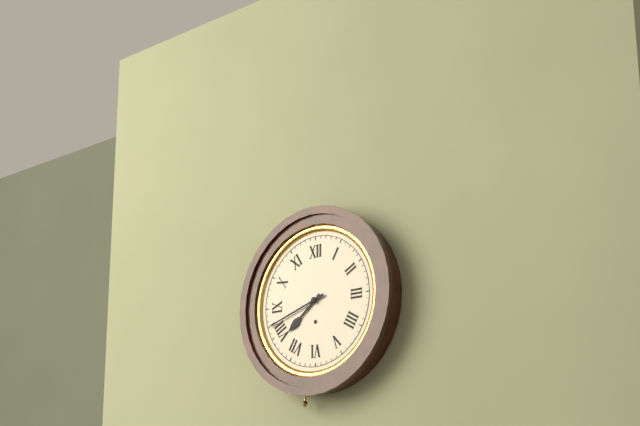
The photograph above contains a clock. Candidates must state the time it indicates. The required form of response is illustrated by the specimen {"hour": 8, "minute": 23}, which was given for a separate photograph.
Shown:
{"hour": 7, "minute": 42}
